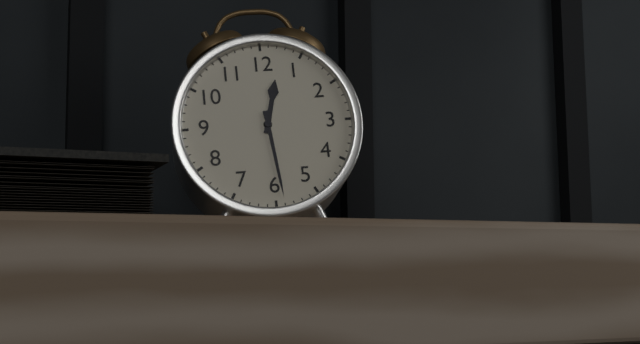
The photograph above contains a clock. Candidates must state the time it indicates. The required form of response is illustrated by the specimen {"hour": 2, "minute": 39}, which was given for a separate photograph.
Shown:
{"hour": 12, "minute": 29}
